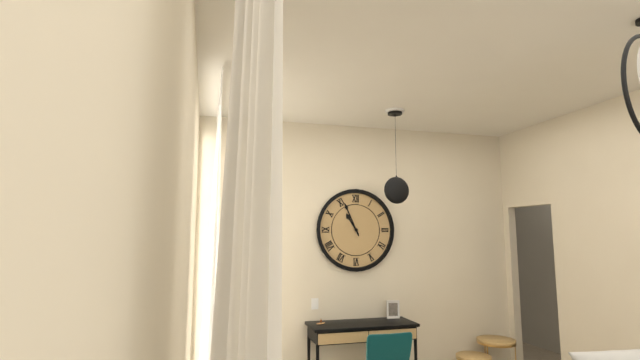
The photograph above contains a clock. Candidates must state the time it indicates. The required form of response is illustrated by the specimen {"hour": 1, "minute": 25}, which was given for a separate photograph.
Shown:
{"hour": 10, "minute": 56}
